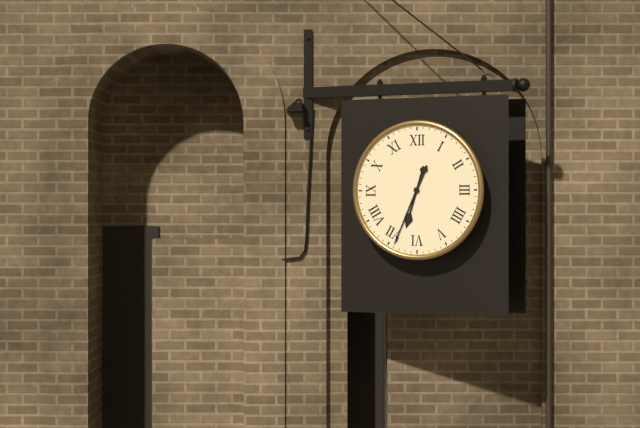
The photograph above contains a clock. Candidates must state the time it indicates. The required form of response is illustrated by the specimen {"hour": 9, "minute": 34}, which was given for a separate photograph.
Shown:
{"hour": 6, "minute": 34}
